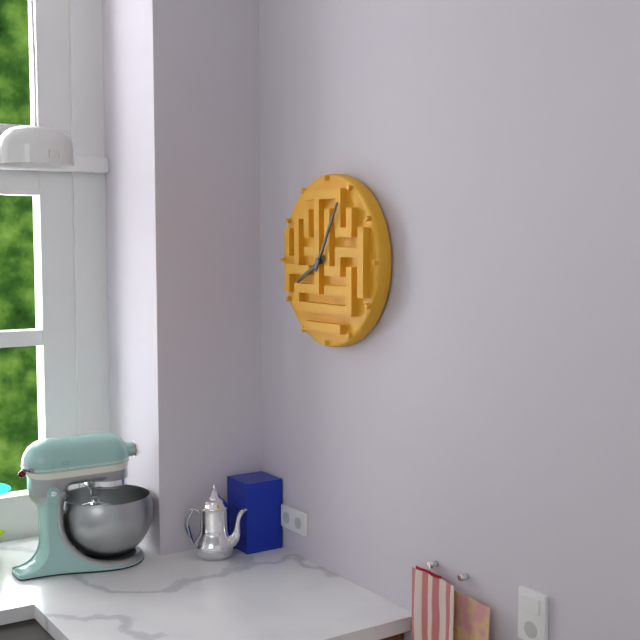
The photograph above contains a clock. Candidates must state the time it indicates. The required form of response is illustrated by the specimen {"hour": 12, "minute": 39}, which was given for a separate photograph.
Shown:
{"hour": 8, "minute": 5}
